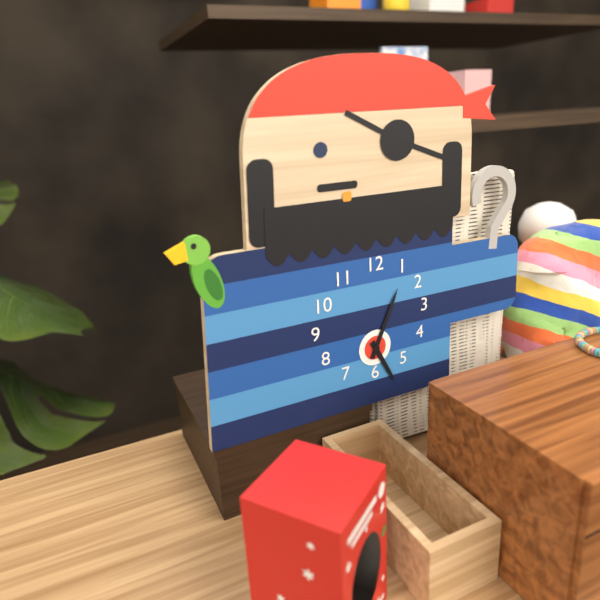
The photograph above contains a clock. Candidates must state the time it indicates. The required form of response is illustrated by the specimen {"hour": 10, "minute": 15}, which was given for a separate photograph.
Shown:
{"hour": 5, "minute": 4}
